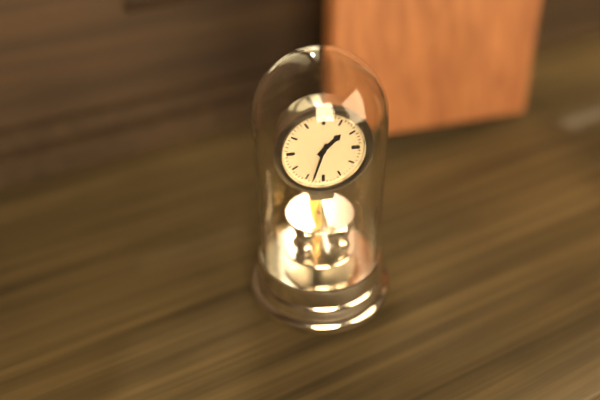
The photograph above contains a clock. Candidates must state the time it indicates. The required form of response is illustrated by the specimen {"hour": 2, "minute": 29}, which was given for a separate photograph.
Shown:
{"hour": 1, "minute": 33}
